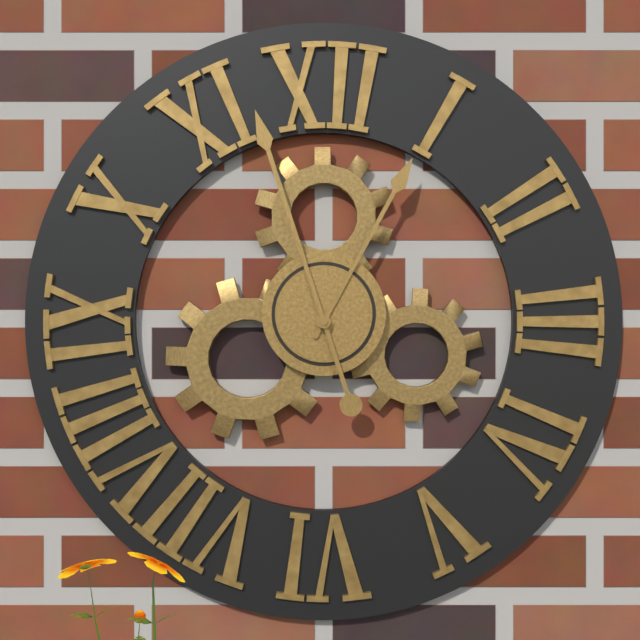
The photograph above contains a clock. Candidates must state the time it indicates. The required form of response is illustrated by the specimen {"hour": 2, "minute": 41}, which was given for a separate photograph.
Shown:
{"hour": 12, "minute": 57}
